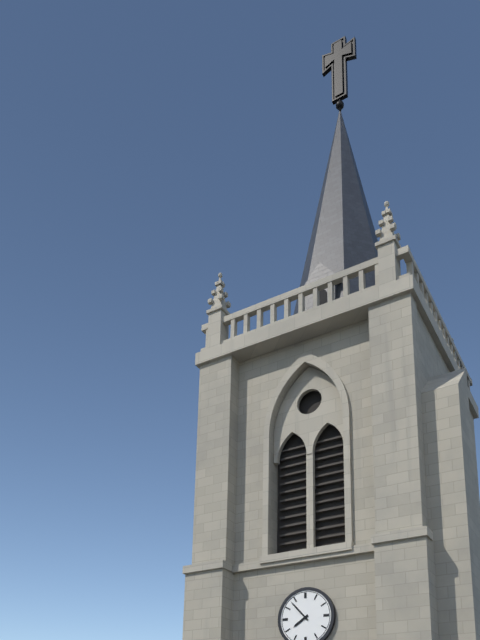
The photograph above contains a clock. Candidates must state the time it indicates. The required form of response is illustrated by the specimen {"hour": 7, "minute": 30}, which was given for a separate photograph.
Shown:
{"hour": 7, "minute": 53}
